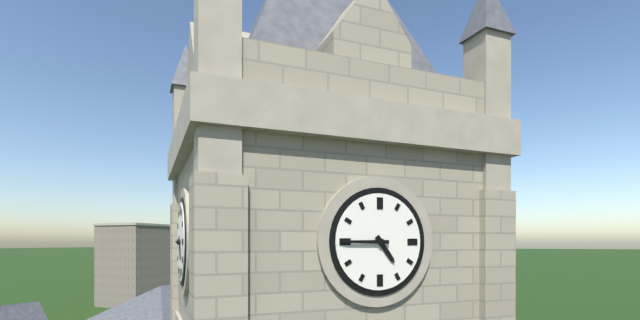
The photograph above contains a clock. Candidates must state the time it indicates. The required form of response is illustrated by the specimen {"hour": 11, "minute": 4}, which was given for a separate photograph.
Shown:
{"hour": 4, "minute": 45}
